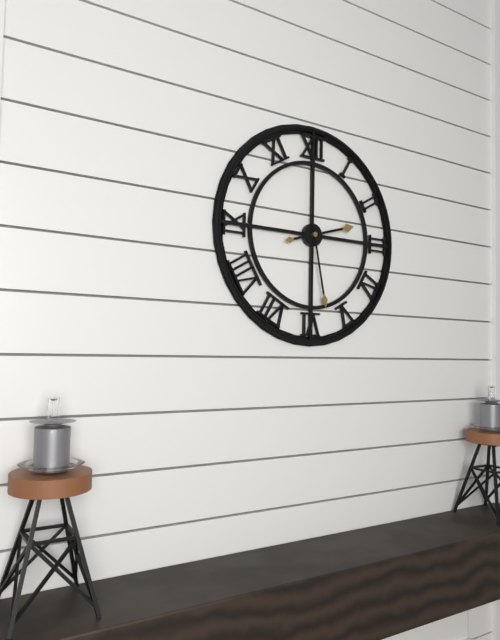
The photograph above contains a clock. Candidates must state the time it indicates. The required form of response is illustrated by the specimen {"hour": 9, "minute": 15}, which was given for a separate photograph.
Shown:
{"hour": 2, "minute": 28}
